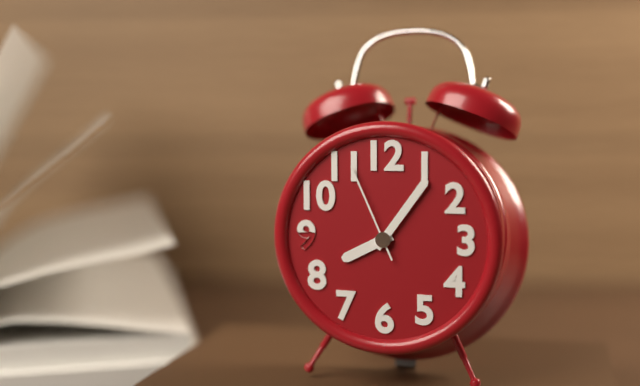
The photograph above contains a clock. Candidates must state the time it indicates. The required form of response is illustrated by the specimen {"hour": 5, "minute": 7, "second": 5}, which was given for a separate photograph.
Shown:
{"hour": 8, "minute": 6, "second": 56}
